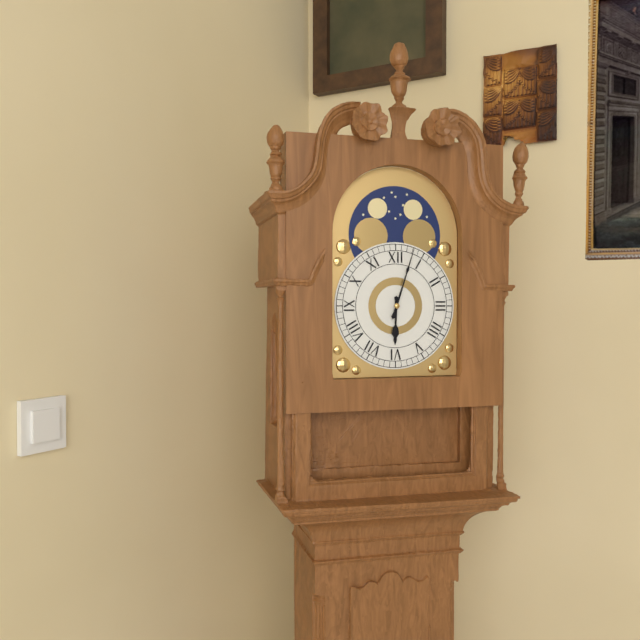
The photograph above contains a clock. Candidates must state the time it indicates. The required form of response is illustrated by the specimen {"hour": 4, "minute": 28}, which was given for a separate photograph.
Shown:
{"hour": 6, "minute": 3}
